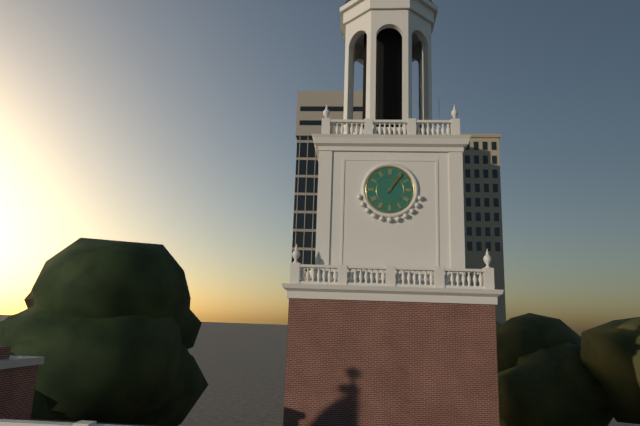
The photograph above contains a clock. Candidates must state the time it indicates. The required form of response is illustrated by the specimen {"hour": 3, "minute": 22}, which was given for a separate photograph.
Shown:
{"hour": 1, "minute": 6}
